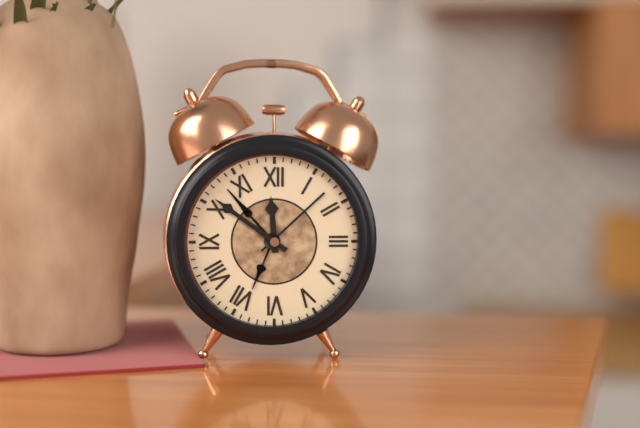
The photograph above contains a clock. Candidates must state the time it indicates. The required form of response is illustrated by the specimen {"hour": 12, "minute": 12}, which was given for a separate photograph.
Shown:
{"hour": 11, "minute": 51}
